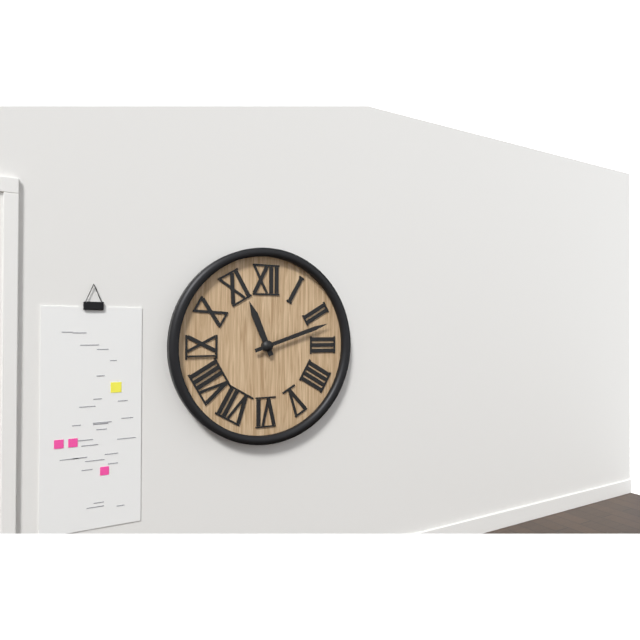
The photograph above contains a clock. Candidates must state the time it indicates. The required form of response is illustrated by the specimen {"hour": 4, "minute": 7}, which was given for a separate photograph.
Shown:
{"hour": 11, "minute": 12}
